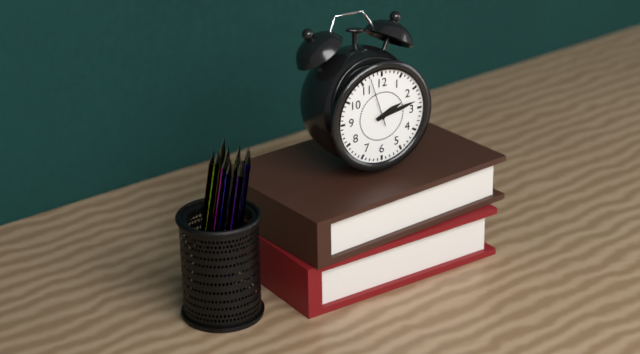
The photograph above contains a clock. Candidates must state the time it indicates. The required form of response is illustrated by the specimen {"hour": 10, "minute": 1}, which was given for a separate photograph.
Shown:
{"hour": 2, "minute": 13}
